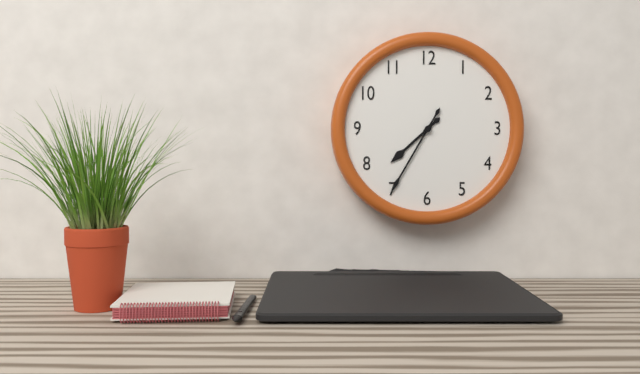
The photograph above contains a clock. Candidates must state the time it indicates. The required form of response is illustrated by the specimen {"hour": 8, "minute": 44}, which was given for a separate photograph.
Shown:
{"hour": 7, "minute": 35}
